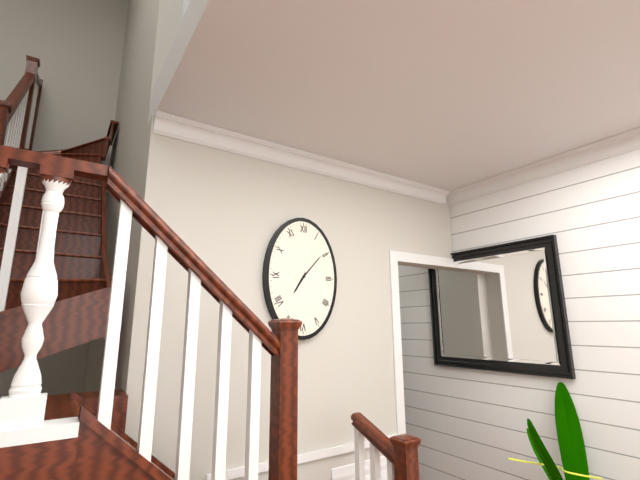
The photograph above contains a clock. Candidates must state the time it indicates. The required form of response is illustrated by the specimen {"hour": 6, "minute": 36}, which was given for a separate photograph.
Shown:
{"hour": 7, "minute": 7}
